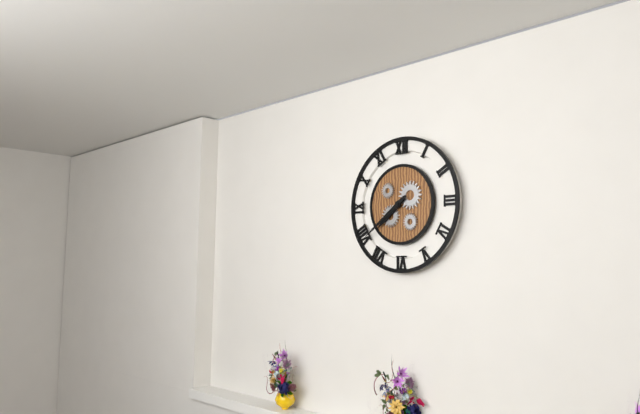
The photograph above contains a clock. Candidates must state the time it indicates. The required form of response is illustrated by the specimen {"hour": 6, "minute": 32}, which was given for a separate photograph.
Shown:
{"hour": 7, "minute": 39}
